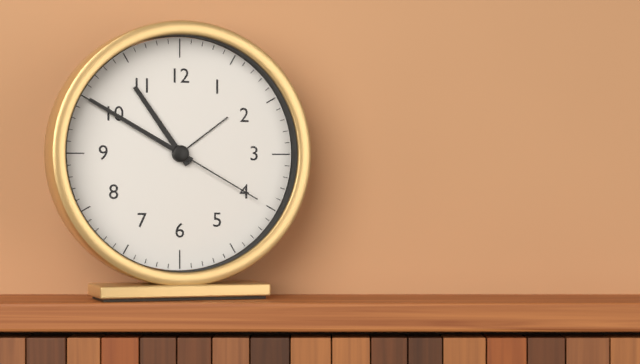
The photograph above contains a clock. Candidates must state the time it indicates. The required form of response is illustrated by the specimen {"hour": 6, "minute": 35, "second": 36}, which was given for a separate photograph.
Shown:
{"hour": 10, "minute": 50, "second": 20}
